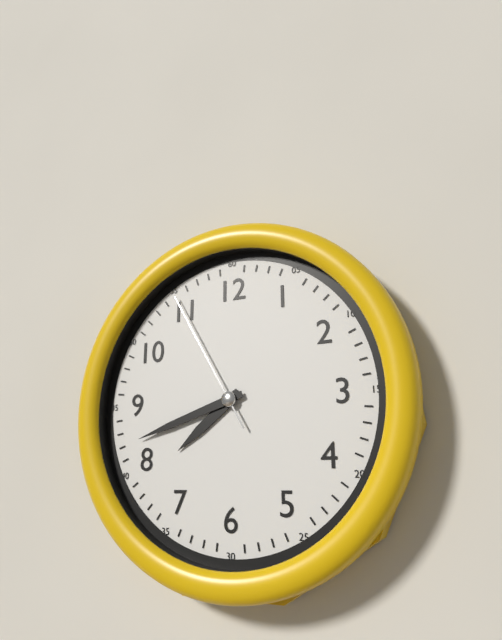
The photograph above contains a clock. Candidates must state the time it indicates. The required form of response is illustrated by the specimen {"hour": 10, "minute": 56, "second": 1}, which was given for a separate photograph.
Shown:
{"hour": 7, "minute": 42, "second": 55}
